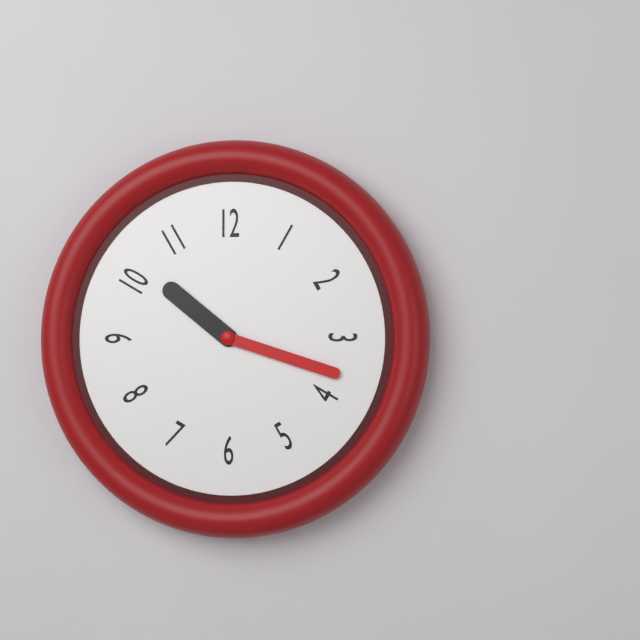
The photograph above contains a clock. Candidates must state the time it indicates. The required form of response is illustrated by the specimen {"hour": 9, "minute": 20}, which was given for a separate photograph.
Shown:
{"hour": 10, "minute": 18}
